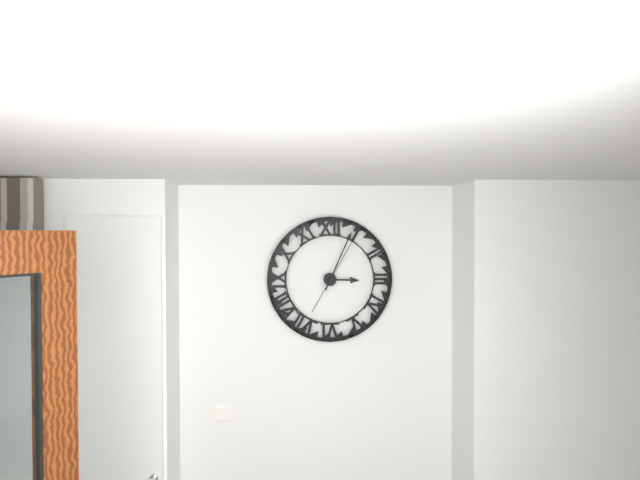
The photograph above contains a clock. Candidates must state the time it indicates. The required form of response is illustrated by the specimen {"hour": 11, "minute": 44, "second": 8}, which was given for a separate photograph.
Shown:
{"hour": 3, "minute": 4, "second": 5}
